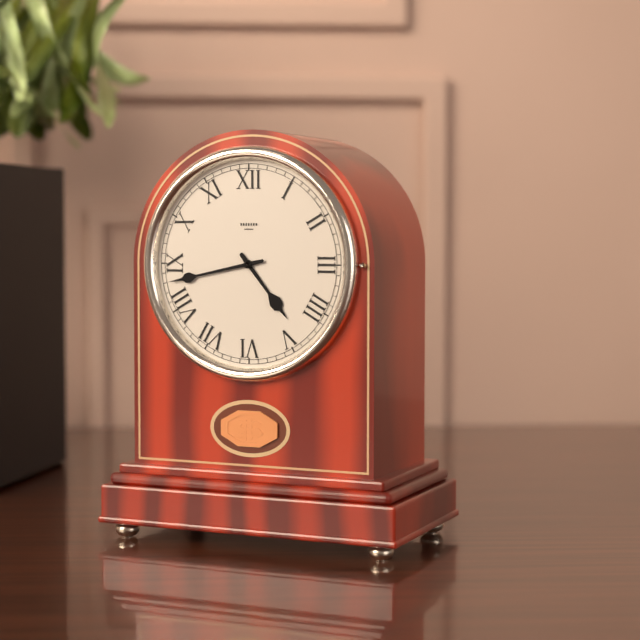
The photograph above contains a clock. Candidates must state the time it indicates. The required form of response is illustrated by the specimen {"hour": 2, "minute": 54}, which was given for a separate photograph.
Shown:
{"hour": 4, "minute": 43}
